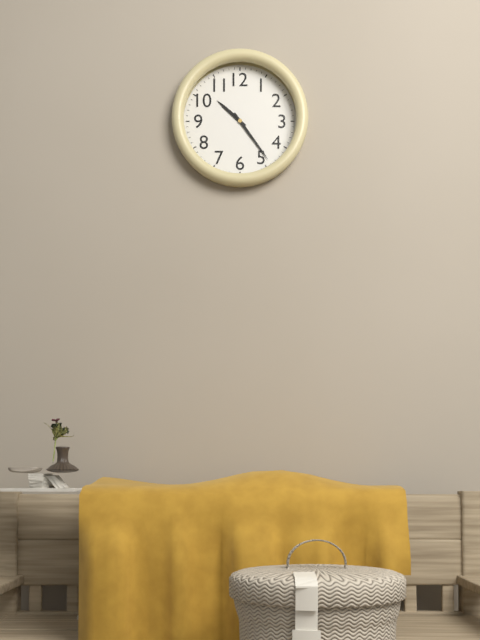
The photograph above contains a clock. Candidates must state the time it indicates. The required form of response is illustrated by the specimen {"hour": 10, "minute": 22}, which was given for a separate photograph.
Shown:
{"hour": 10, "minute": 24}
